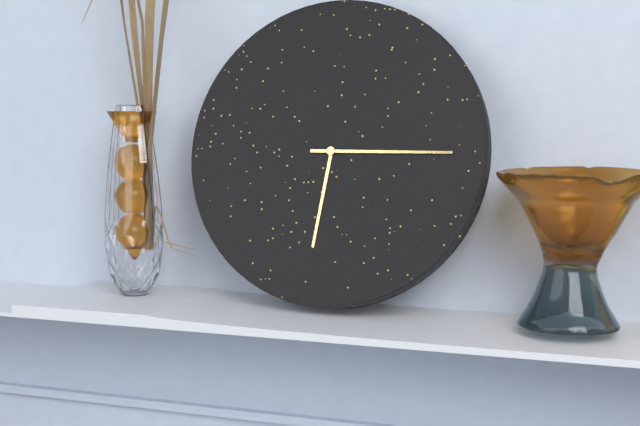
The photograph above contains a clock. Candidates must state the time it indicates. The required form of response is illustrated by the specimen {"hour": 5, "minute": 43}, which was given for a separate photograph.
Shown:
{"hour": 6, "minute": 15}
